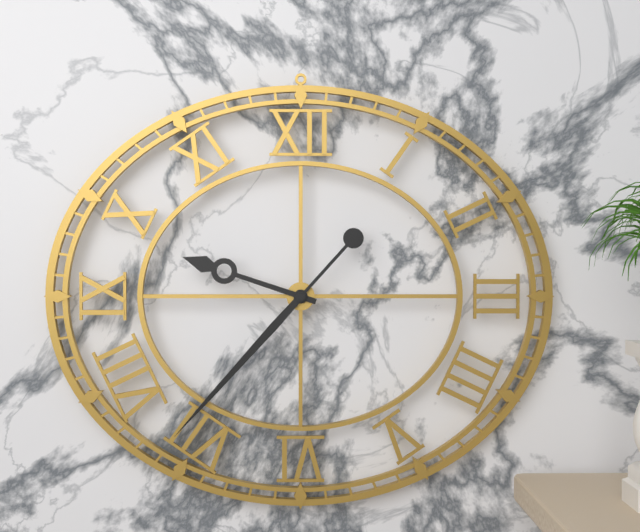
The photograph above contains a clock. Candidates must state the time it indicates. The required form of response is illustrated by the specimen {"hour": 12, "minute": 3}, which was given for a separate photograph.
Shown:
{"hour": 9, "minute": 37}
